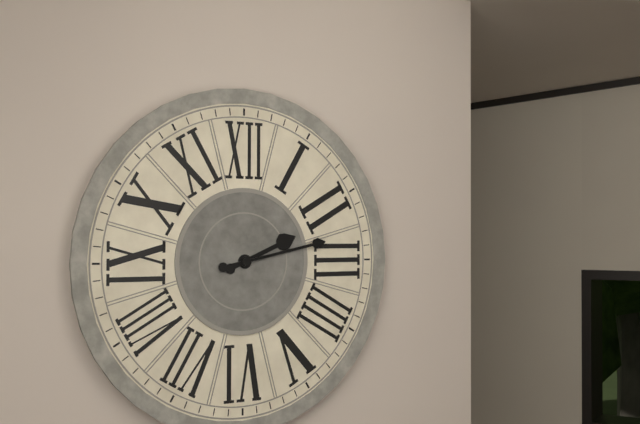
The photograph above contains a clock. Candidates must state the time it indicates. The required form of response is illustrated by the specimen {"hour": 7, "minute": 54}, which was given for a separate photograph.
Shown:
{"hour": 2, "minute": 13}
